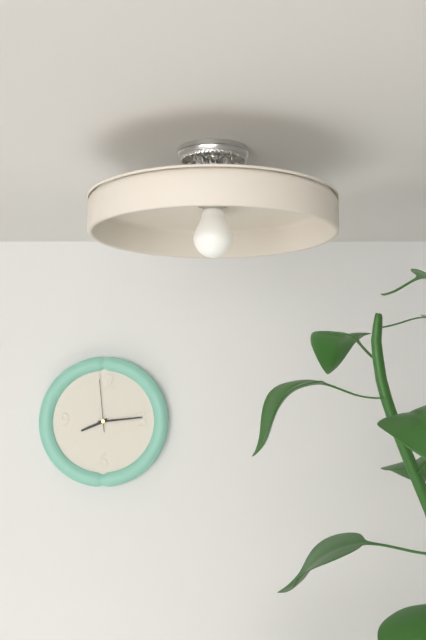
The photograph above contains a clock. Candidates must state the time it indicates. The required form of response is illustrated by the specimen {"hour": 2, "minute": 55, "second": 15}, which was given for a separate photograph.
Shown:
{"hour": 8, "minute": 14, "second": 59}
